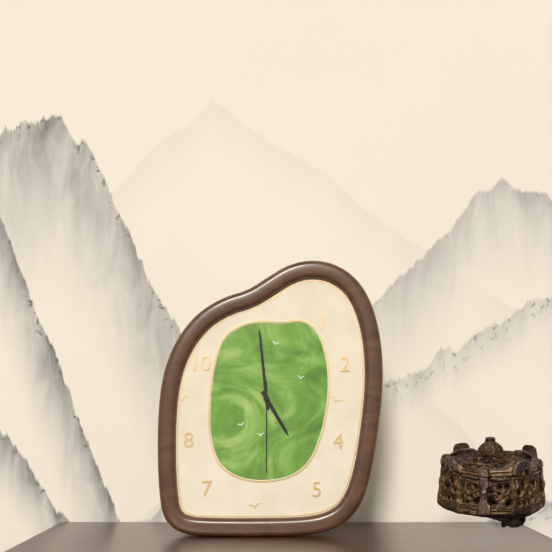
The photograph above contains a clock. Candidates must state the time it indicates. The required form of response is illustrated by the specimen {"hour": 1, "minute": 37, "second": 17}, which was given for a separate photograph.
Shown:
{"hour": 4, "minute": 59, "second": 30}
